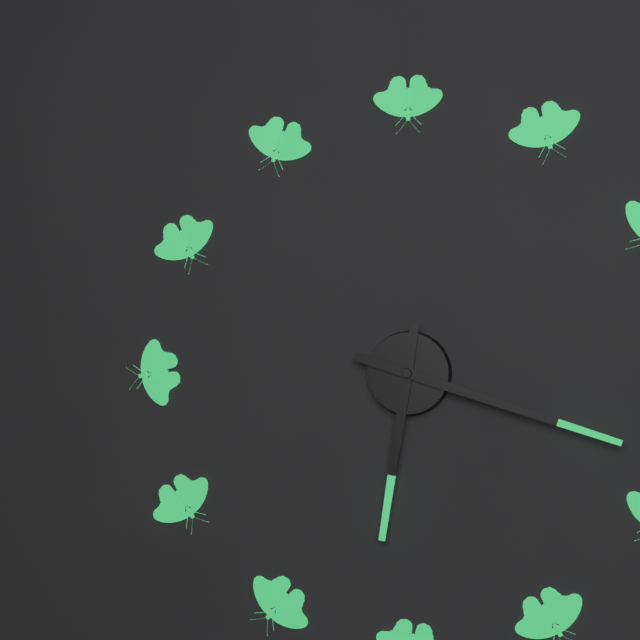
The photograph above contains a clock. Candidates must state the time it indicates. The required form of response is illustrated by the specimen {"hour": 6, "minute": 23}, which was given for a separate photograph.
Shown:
{"hour": 6, "minute": 18}
